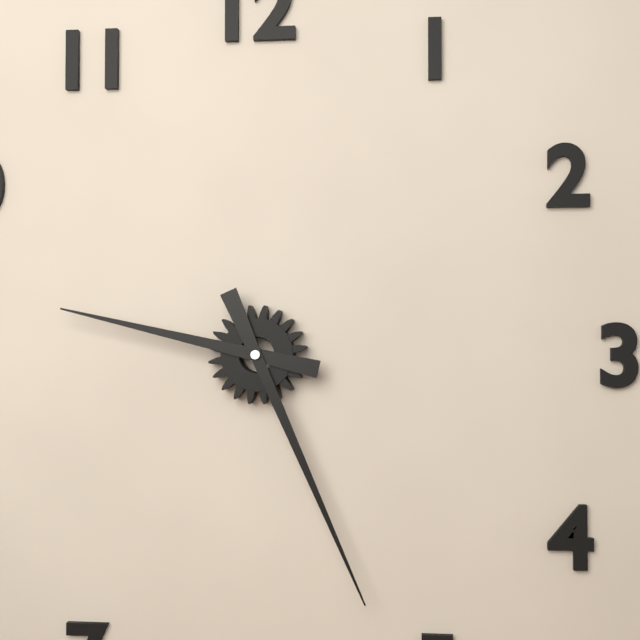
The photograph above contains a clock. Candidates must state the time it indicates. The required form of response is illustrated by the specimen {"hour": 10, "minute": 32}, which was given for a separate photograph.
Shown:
{"hour": 9, "minute": 26}
